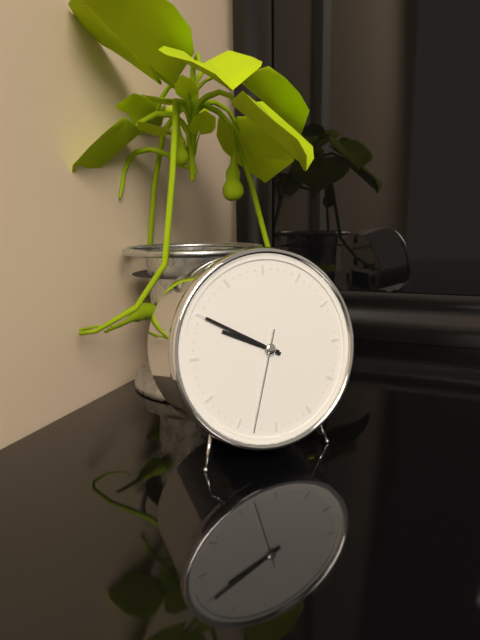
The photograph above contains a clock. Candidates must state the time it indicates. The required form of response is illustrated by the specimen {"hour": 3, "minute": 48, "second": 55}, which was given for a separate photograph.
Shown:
{"hour": 9, "minute": 50, "second": 33}
